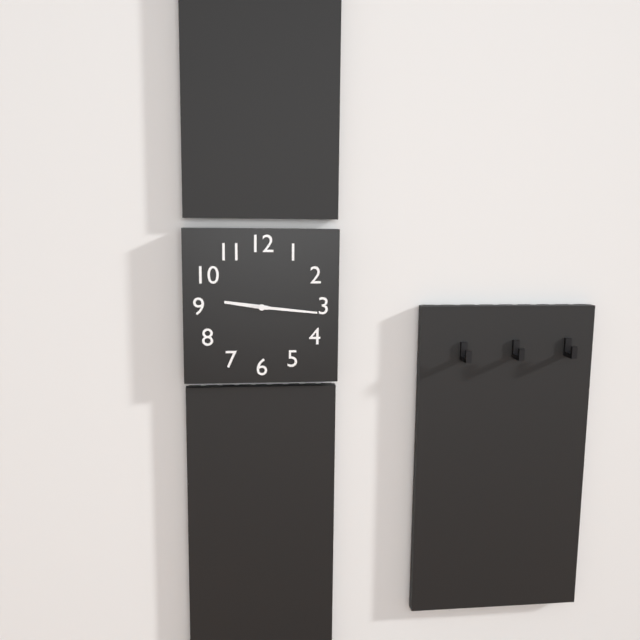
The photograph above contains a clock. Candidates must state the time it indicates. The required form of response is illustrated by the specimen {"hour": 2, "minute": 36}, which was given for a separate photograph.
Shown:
{"hour": 9, "minute": 16}
